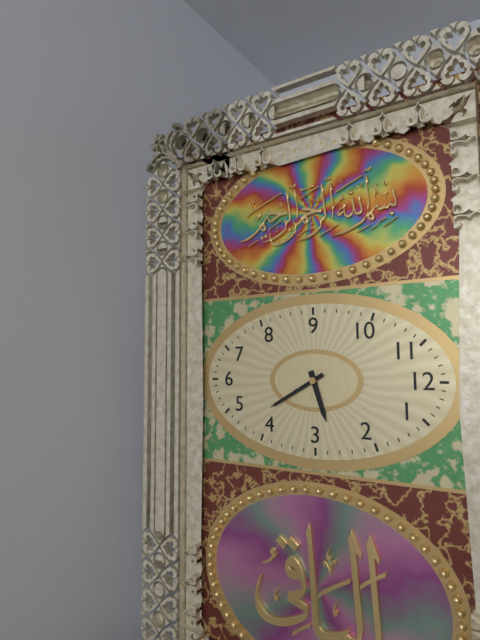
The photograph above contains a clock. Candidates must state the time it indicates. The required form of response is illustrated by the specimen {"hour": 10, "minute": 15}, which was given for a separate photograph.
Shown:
{"hour": 2, "minute": 25}
